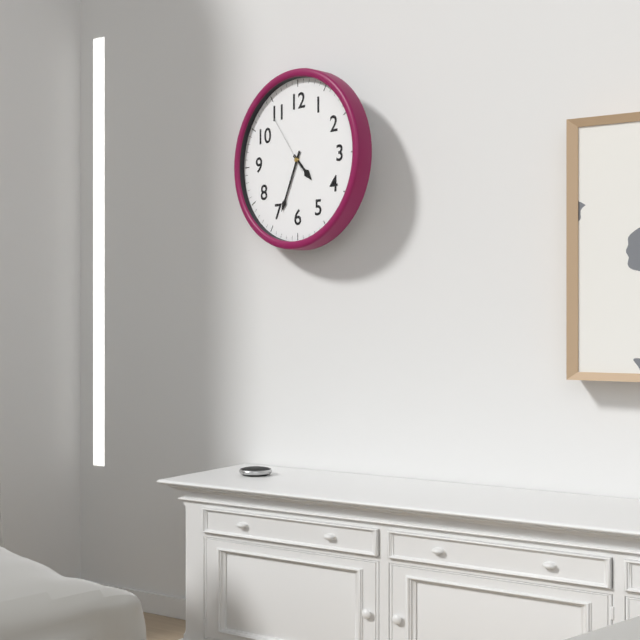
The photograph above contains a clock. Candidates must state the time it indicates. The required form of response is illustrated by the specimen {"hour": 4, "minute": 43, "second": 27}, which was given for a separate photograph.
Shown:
{"hour": 4, "minute": 34, "second": 54}
